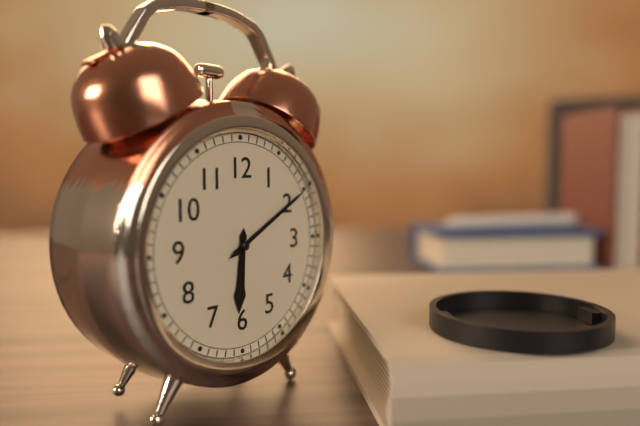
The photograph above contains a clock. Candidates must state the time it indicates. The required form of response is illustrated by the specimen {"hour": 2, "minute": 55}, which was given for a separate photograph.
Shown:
{"hour": 6, "minute": 10}
